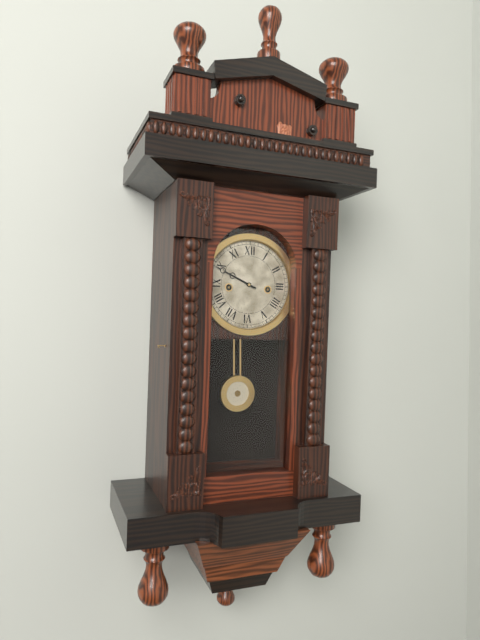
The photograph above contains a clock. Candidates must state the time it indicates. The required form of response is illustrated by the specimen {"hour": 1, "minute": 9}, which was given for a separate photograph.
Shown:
{"hour": 9, "minute": 49}
